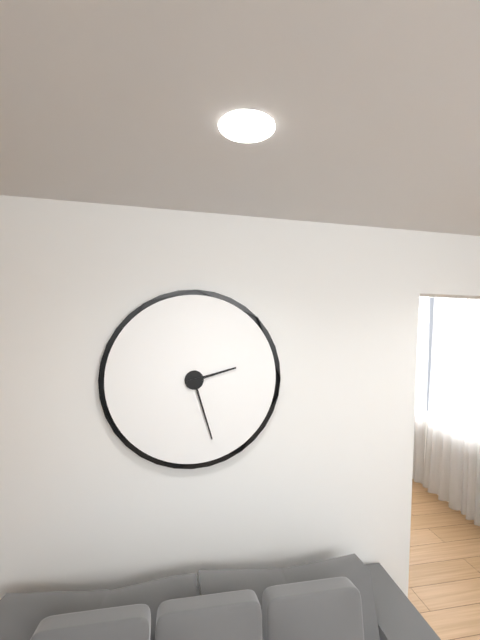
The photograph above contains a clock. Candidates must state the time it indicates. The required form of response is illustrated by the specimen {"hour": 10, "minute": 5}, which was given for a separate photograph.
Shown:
{"hour": 2, "minute": 27}
